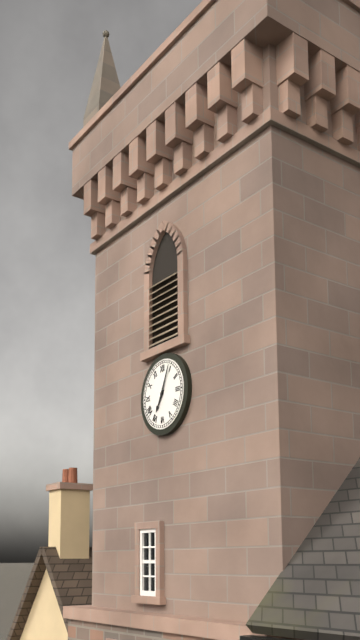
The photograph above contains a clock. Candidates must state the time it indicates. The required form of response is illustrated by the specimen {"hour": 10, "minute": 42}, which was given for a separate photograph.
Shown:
{"hour": 7, "minute": 4}
